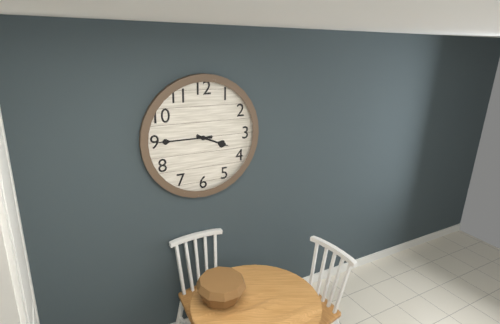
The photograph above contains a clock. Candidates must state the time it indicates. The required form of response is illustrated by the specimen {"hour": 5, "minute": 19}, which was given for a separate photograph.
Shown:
{"hour": 3, "minute": 45}
